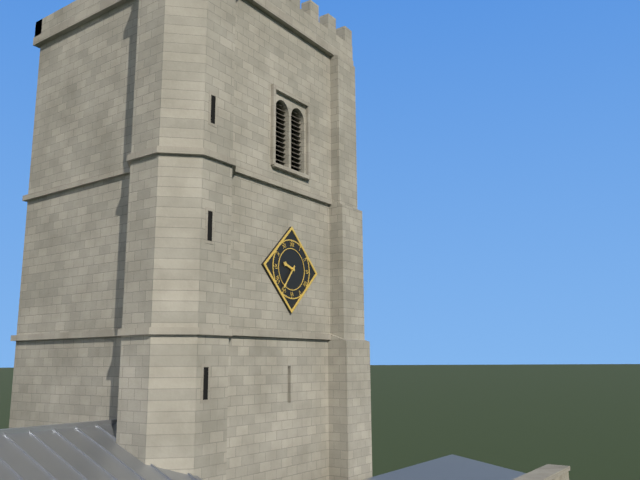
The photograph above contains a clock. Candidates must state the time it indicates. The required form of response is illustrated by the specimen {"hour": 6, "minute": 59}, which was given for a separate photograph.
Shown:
{"hour": 9, "minute": 36}
